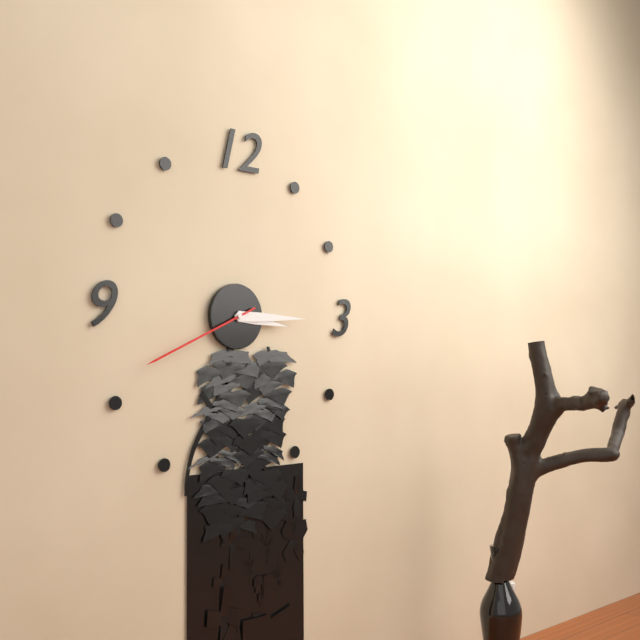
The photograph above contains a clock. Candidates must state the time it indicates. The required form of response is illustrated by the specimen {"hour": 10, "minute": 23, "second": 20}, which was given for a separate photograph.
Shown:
{"hour": 3, "minute": 15, "second": 41}
